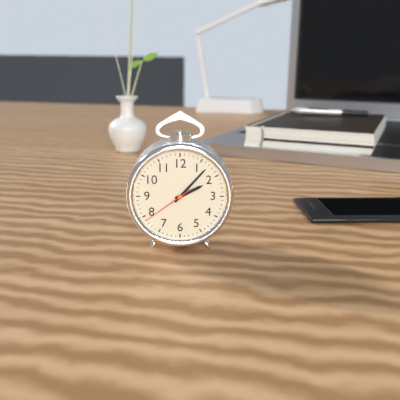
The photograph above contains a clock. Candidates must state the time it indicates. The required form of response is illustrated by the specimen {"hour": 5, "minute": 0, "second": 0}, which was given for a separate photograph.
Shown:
{"hour": 2, "minute": 7, "second": 39}
